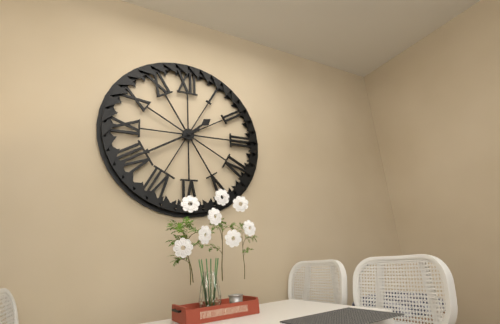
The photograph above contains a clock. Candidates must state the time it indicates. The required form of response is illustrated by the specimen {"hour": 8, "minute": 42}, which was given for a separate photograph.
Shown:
{"hour": 1, "minute": 40}
